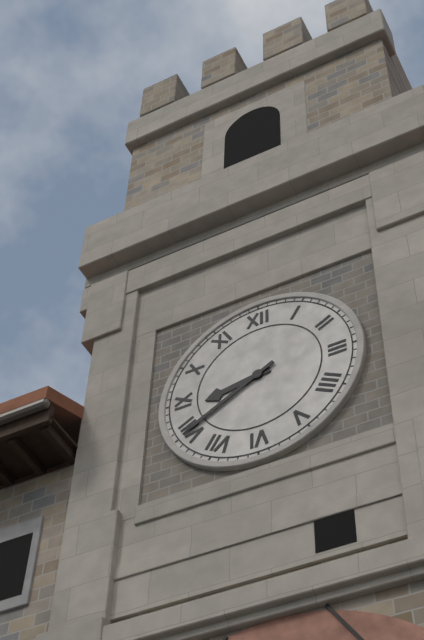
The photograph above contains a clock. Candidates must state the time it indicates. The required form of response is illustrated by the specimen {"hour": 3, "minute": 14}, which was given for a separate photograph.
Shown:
{"hour": 8, "minute": 40}
